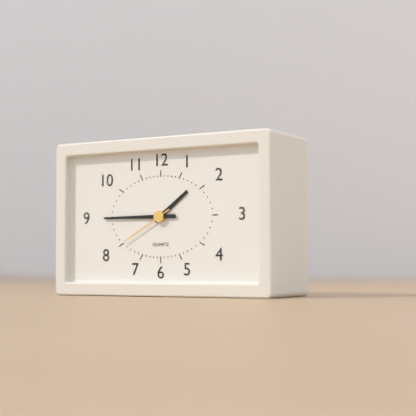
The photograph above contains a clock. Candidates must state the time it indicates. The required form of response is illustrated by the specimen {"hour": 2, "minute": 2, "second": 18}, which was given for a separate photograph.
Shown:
{"hour": 1, "minute": 45, "second": 40}
